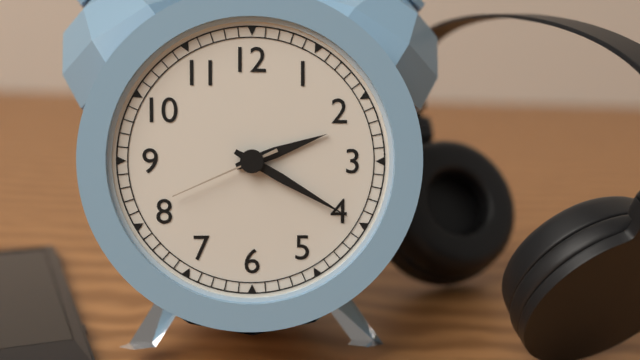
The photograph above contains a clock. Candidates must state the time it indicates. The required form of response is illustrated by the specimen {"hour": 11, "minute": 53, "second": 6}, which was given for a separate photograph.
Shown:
{"hour": 2, "minute": 20, "second": 41}
